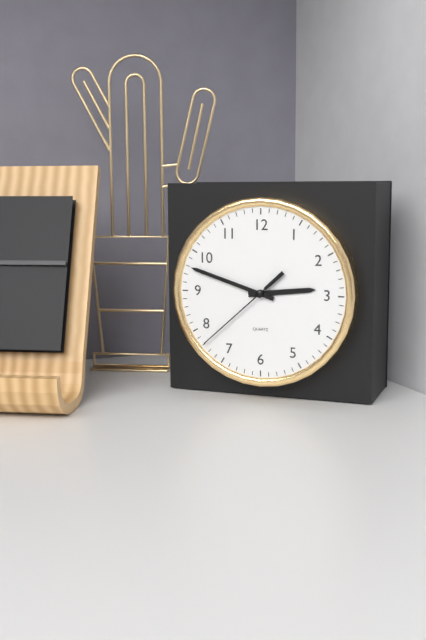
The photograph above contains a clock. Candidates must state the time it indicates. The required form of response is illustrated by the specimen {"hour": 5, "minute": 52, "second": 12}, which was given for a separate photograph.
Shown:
{"hour": 2, "minute": 48, "second": 38}
